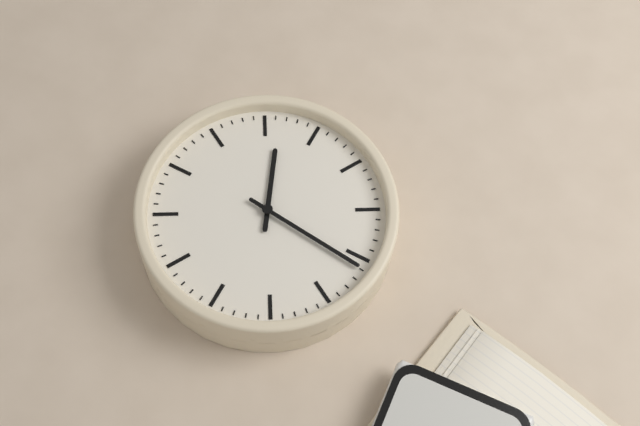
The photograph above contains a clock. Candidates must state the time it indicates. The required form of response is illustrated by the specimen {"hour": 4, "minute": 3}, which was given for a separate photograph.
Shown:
{"hour": 11, "minute": 16}
